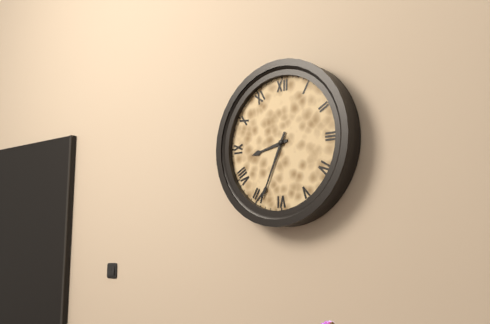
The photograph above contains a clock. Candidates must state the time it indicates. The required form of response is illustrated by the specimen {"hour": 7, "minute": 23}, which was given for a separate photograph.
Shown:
{"hour": 8, "minute": 34}
